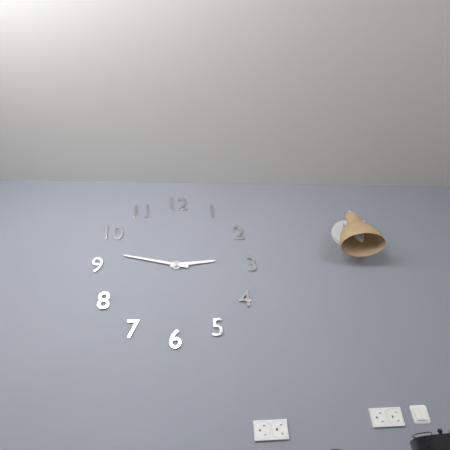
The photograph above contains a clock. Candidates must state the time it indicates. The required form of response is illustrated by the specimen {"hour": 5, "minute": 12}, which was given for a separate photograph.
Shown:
{"hour": 2, "minute": 47}
